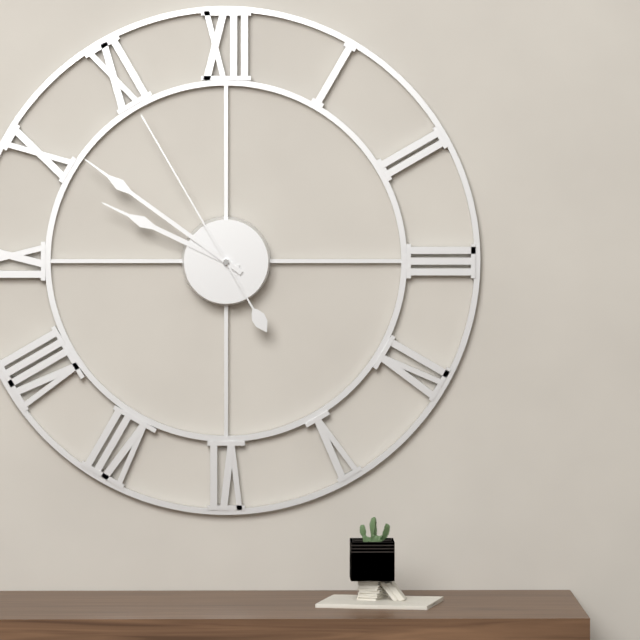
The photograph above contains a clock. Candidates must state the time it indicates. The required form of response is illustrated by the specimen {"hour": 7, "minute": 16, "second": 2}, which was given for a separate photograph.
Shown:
{"hour": 9, "minute": 51, "second": 55}
